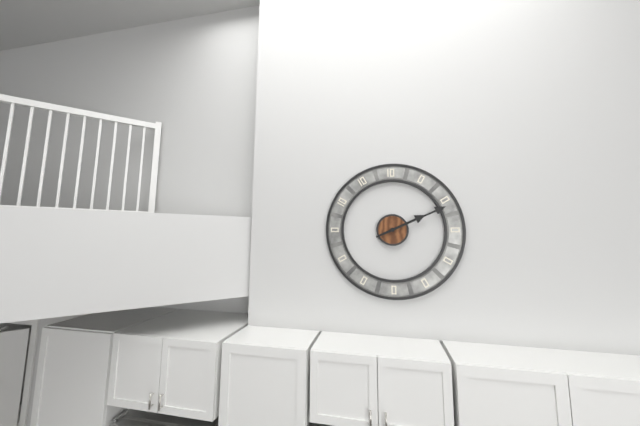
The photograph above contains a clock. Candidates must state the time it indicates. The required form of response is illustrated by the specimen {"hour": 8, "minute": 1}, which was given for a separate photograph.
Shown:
{"hour": 2, "minute": 11}
